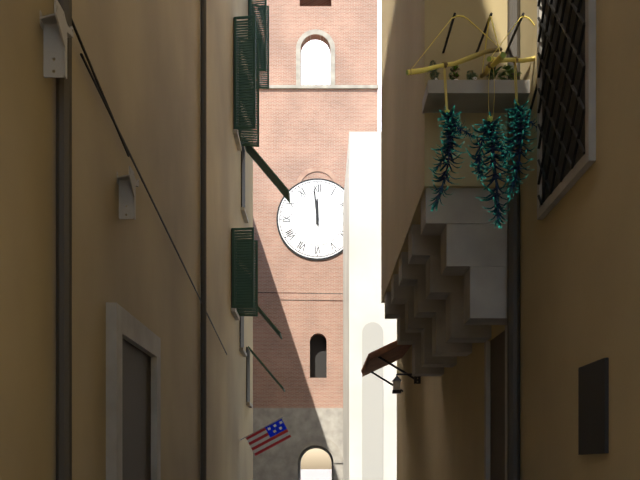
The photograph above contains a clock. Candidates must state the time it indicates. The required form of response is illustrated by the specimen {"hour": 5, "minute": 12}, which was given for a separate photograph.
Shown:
{"hour": 11, "minute": 59}
